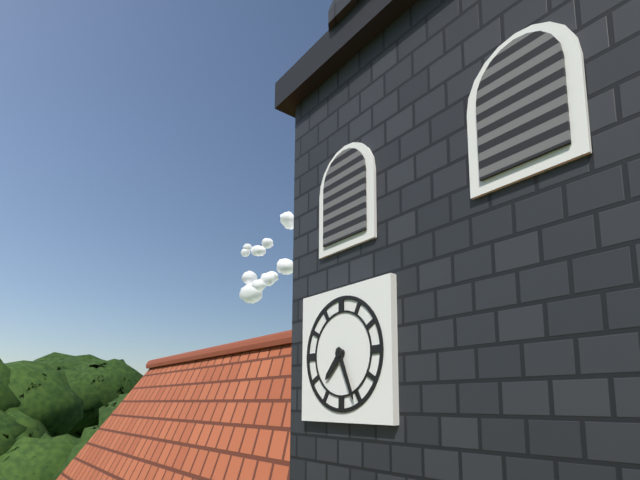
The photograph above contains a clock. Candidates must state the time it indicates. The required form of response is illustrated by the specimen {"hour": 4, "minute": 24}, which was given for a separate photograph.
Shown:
{"hour": 7, "minute": 26}
